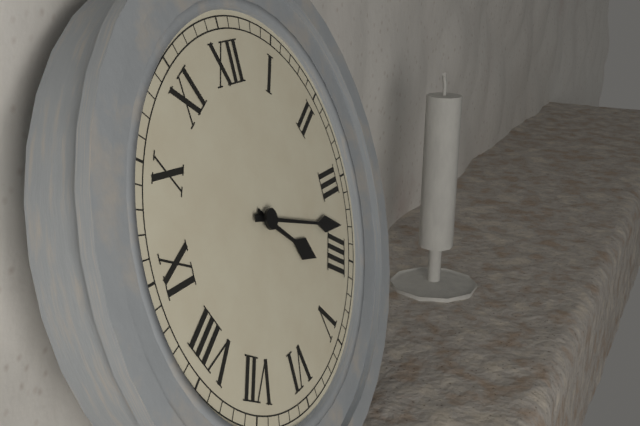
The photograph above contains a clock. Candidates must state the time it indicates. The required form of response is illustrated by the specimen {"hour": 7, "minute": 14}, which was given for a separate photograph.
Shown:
{"hour": 4, "minute": 18}
